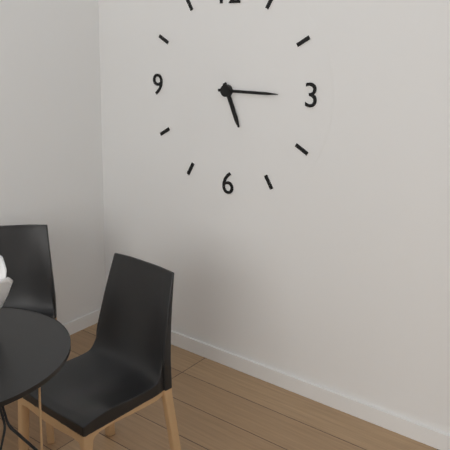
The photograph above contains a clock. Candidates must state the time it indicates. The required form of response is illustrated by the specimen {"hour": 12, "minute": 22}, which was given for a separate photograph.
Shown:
{"hour": 5, "minute": 15}
